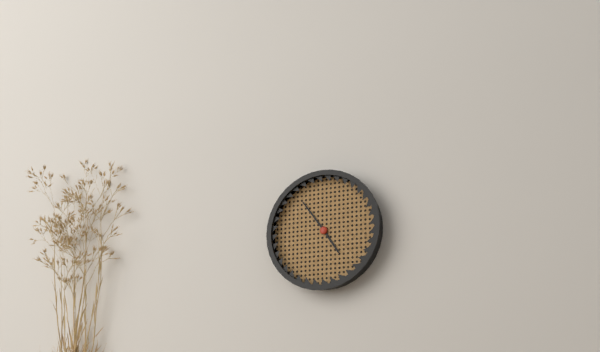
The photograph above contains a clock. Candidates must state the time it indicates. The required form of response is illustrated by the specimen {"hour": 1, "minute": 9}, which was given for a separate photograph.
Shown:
{"hour": 4, "minute": 54}
